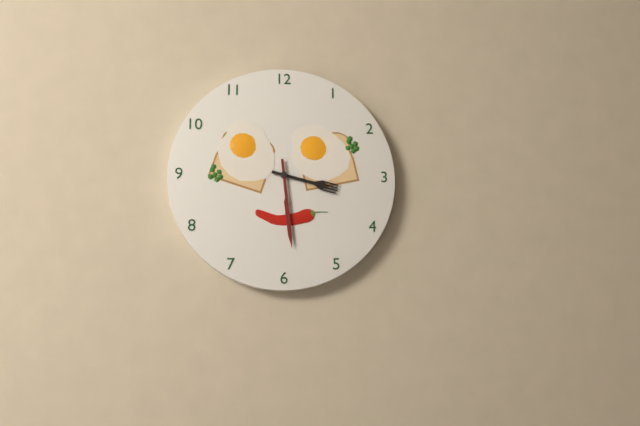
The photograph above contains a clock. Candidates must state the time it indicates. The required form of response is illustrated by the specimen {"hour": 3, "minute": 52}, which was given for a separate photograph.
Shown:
{"hour": 3, "minute": 29}
